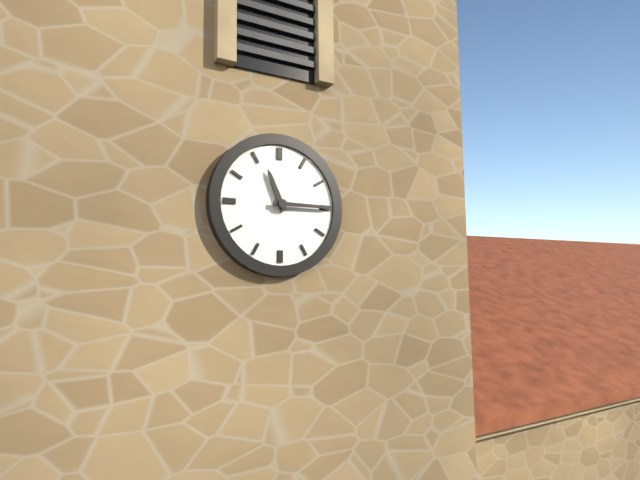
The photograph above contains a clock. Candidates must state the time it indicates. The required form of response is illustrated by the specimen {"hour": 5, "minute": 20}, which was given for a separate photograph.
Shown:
{"hour": 11, "minute": 15}
